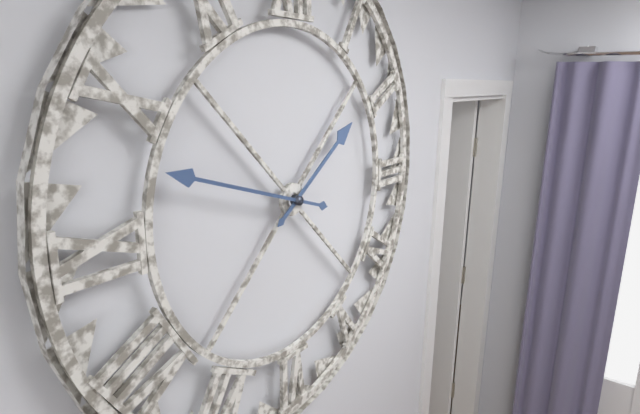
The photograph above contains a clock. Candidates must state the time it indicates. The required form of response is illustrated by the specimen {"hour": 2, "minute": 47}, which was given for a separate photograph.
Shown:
{"hour": 1, "minute": 48}
